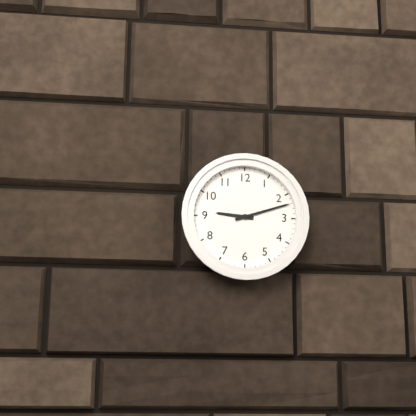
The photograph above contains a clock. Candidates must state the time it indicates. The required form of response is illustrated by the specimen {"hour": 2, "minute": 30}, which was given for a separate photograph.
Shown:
{"hour": 9, "minute": 12}
